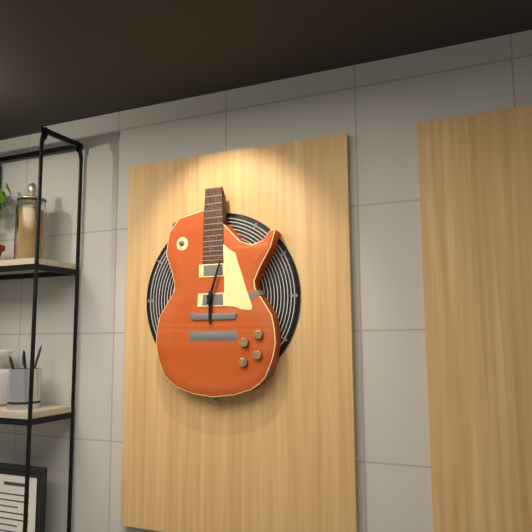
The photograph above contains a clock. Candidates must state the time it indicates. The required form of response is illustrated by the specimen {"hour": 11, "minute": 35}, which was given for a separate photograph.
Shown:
{"hour": 6, "minute": 3}
